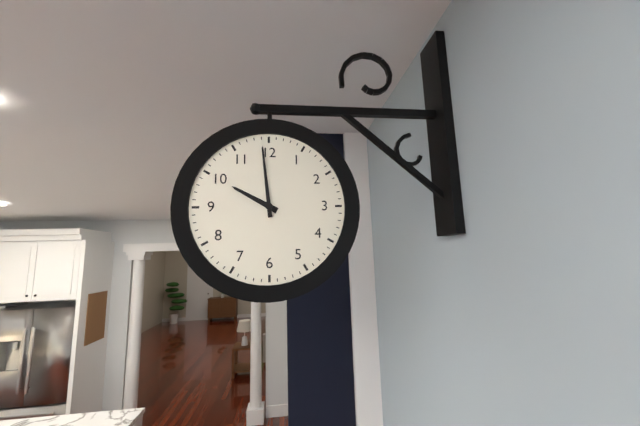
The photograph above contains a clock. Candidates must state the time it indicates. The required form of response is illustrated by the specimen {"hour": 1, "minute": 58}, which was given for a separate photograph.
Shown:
{"hour": 9, "minute": 59}
